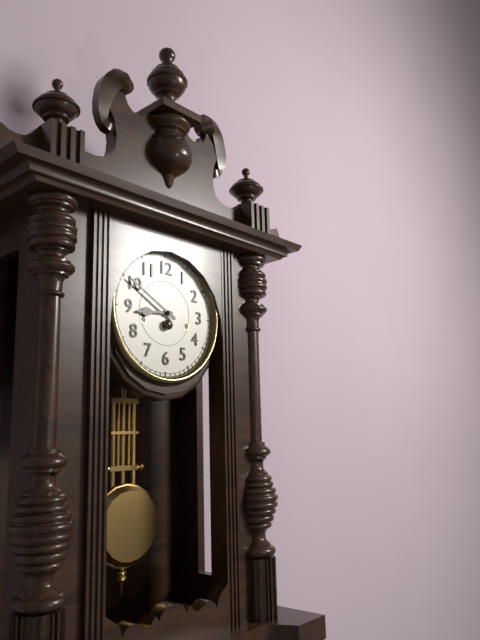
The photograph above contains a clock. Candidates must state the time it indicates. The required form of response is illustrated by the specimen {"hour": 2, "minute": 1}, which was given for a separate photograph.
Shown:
{"hour": 8, "minute": 50}
